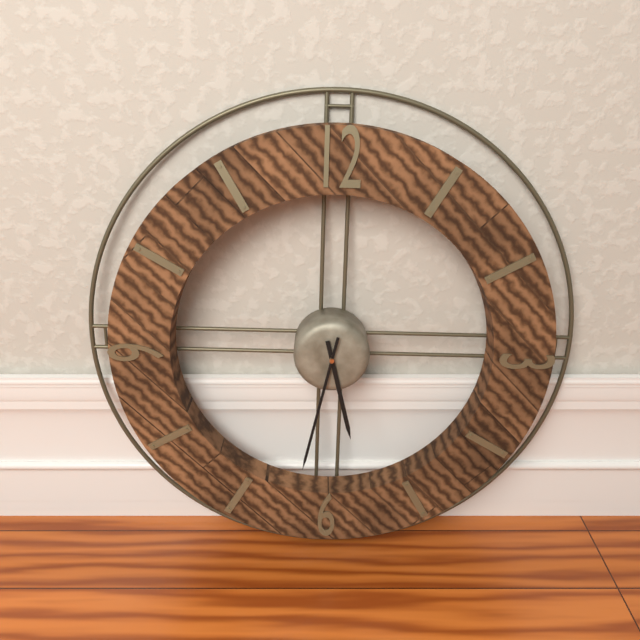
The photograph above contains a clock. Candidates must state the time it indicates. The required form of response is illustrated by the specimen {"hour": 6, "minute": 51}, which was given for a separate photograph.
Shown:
{"hour": 5, "minute": 32}
